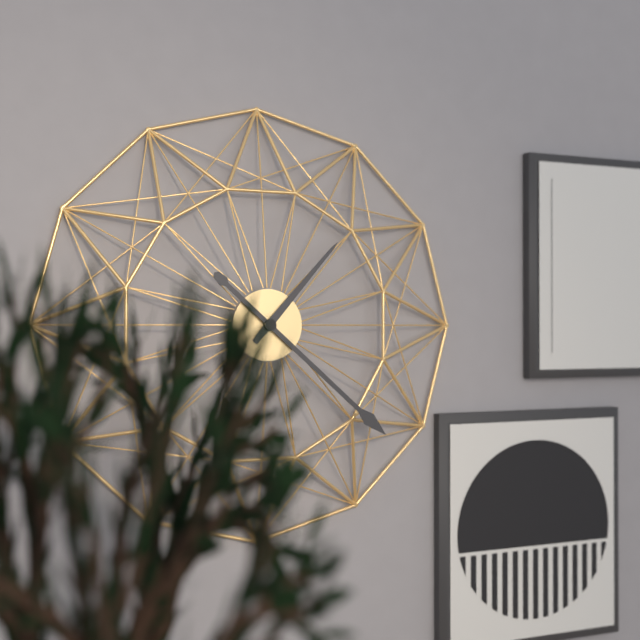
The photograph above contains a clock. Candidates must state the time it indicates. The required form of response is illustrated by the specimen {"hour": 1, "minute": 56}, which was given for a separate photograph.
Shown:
{"hour": 1, "minute": 22}
